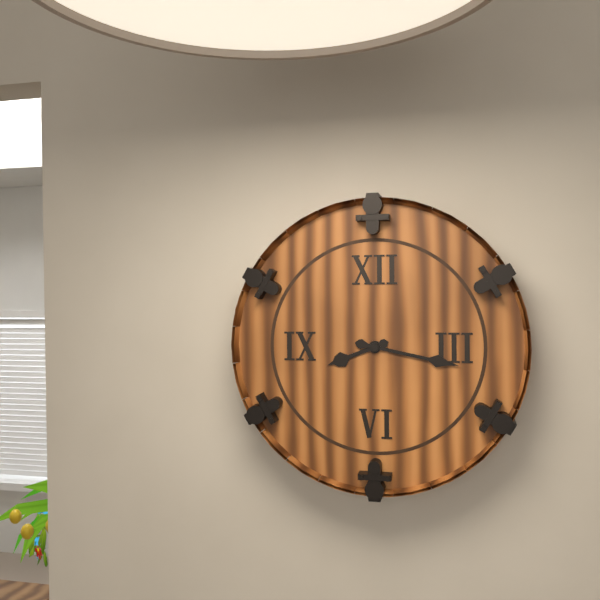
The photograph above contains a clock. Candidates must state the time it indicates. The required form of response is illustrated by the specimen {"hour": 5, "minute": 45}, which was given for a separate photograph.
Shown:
{"hour": 8, "minute": 17}
